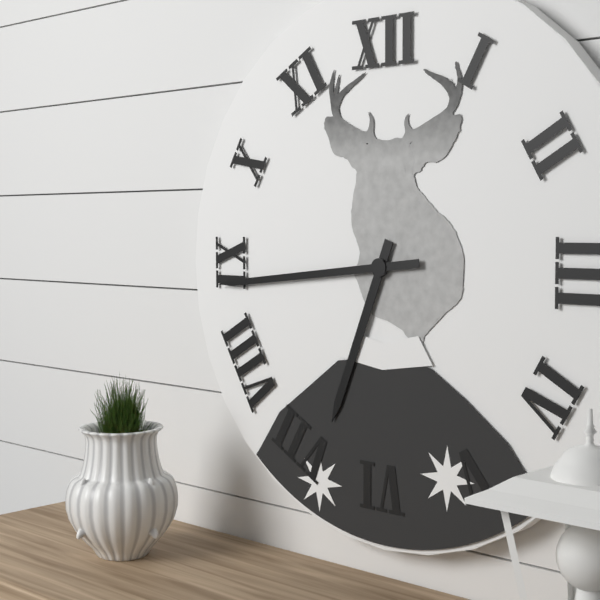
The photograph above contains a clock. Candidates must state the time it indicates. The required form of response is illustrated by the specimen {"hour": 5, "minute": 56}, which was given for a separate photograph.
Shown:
{"hour": 6, "minute": 44}
